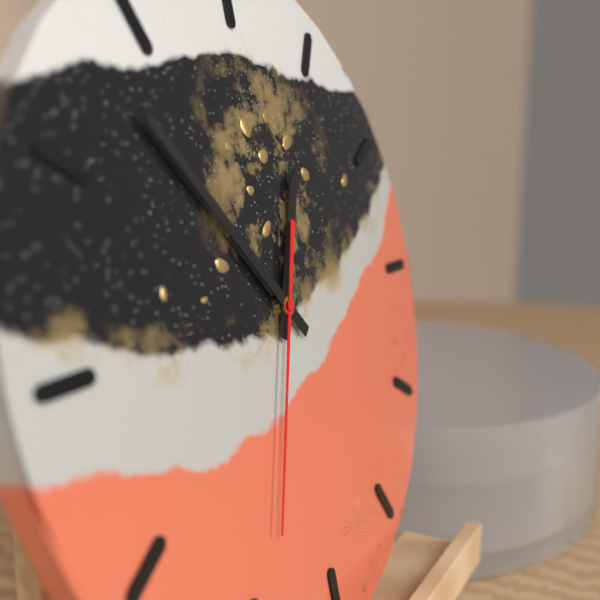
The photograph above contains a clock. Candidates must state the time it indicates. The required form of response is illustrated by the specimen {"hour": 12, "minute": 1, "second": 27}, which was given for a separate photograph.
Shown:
{"hour": 12, "minute": 53, "second": 34}
